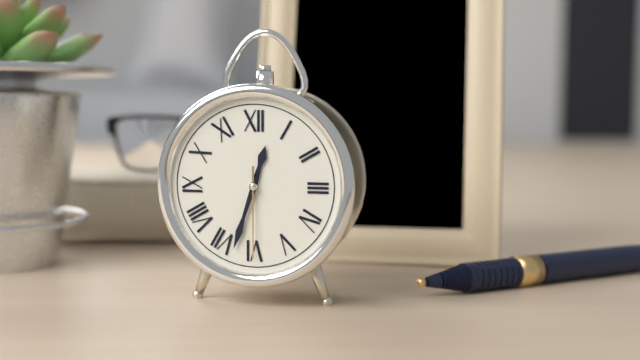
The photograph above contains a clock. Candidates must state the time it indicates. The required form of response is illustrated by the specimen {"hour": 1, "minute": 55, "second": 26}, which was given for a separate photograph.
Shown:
{"hour": 12, "minute": 33, "second": 30}
